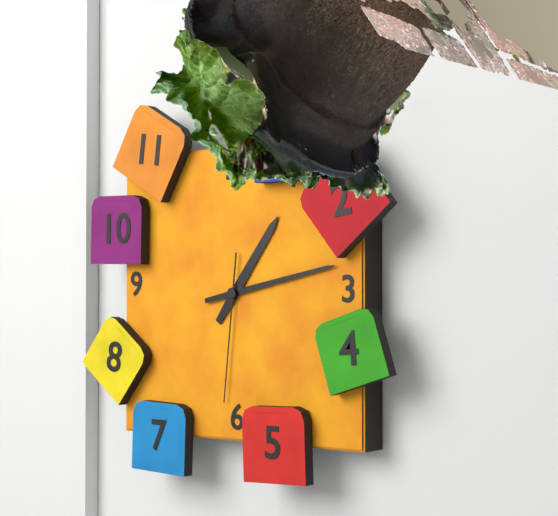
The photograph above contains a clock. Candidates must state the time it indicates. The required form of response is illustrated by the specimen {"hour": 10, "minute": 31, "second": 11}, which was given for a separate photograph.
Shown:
{"hour": 1, "minute": 13, "second": 31}
